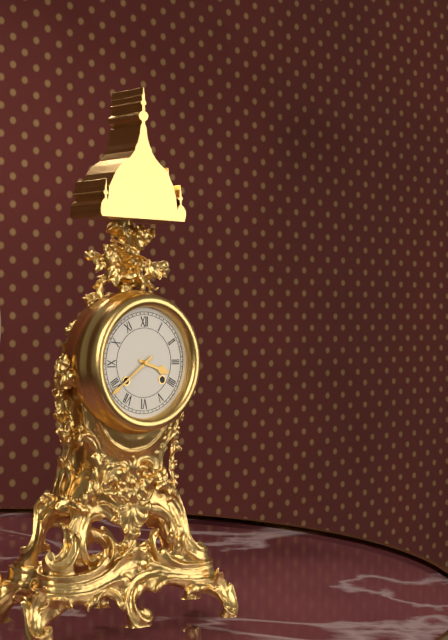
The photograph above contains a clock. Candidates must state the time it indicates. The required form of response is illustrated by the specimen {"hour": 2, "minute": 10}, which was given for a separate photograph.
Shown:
{"hour": 3, "minute": 39}
